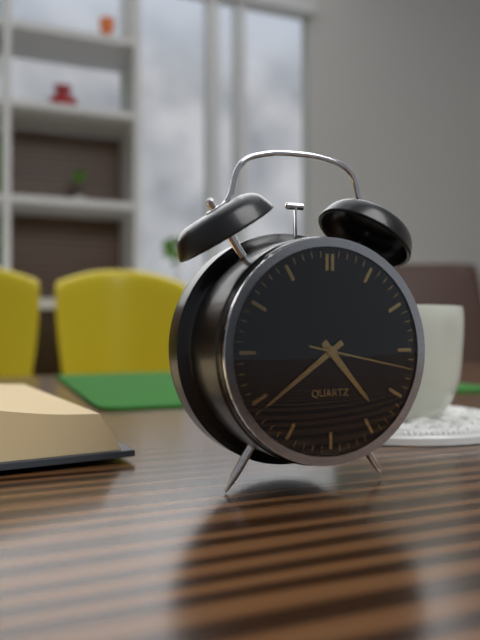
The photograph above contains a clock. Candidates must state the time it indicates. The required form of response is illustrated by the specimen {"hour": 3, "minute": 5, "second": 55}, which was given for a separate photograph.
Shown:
{"hour": 4, "minute": 39, "second": 17}
